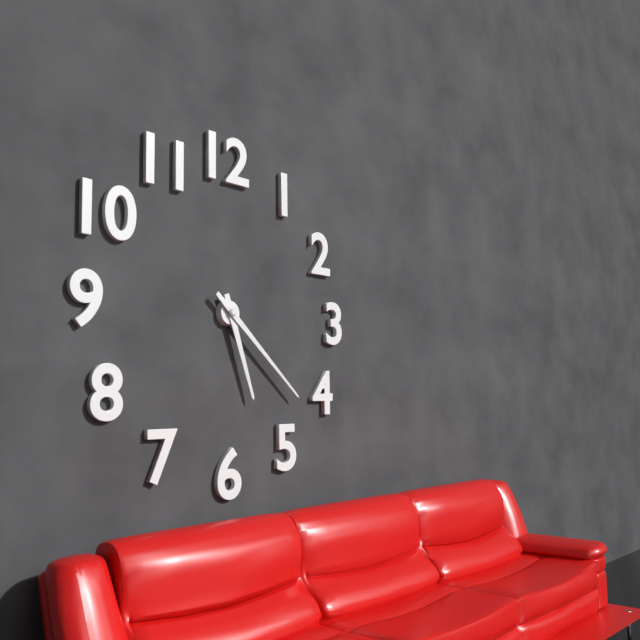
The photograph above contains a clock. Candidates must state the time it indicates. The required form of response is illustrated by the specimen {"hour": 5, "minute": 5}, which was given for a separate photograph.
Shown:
{"hour": 5, "minute": 22}
